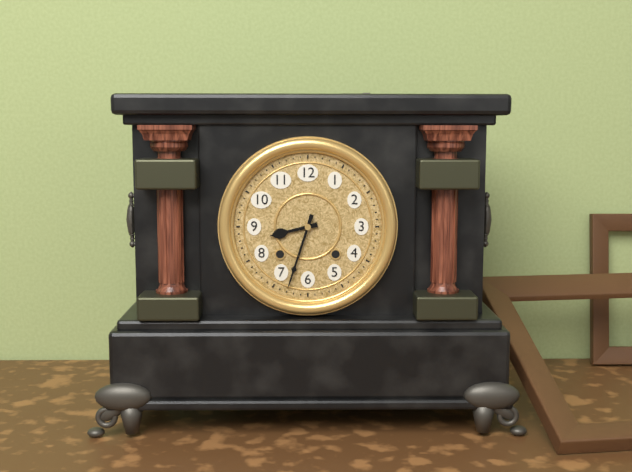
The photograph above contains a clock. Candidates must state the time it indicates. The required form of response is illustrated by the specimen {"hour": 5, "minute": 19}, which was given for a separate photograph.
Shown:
{"hour": 8, "minute": 33}
